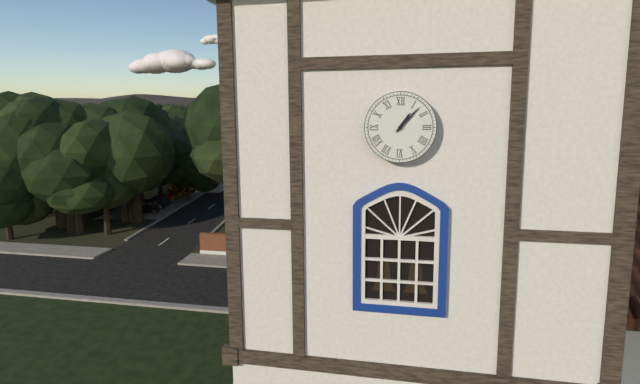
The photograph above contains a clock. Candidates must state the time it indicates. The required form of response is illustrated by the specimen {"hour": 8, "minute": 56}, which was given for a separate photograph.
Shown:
{"hour": 1, "minute": 7}
